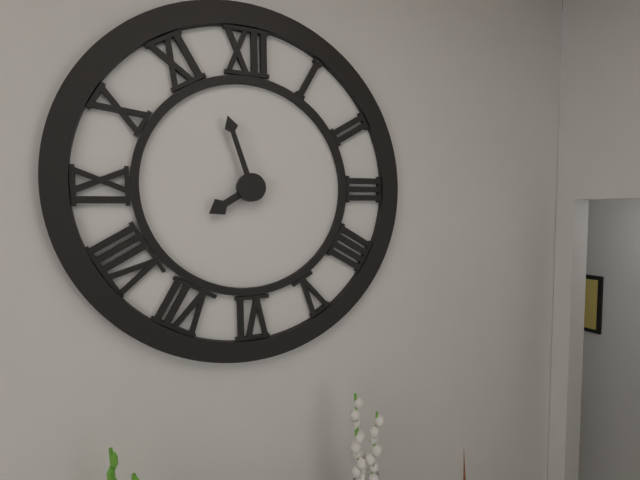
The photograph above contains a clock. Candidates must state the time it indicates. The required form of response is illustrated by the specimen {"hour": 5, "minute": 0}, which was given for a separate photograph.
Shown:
{"hour": 7, "minute": 57}
